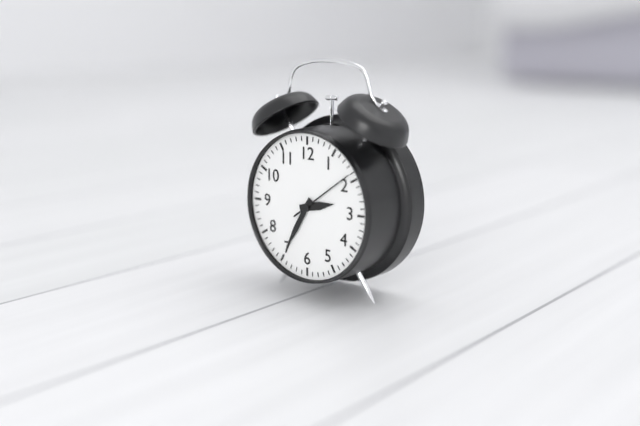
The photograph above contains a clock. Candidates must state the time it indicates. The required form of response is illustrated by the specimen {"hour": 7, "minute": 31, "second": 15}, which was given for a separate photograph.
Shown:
{"hour": 2, "minute": 35, "second": 9}
